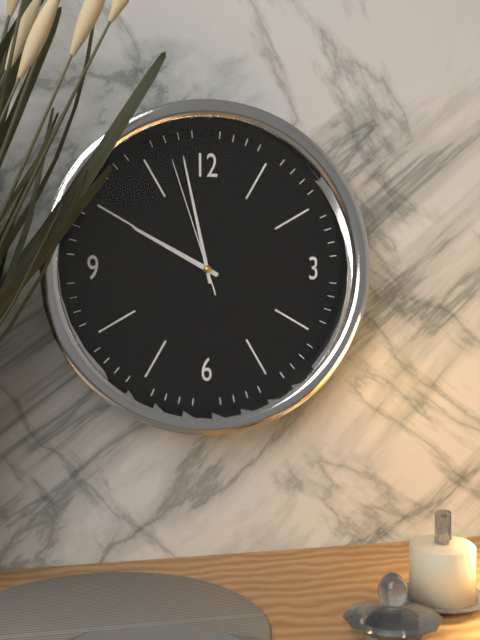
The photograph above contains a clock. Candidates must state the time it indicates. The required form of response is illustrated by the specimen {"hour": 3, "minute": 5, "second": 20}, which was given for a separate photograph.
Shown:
{"hour": 9, "minute": 58, "second": 57}
